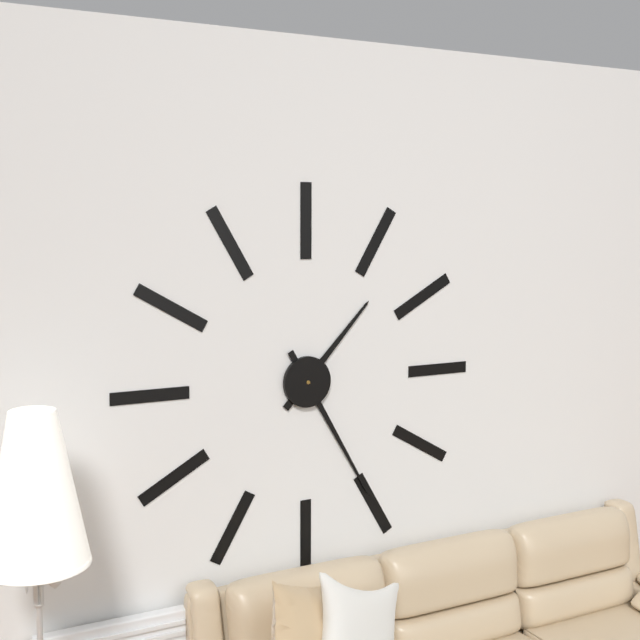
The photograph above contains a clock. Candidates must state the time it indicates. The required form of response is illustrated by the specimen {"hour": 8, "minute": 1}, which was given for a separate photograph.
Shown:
{"hour": 1, "minute": 25}
